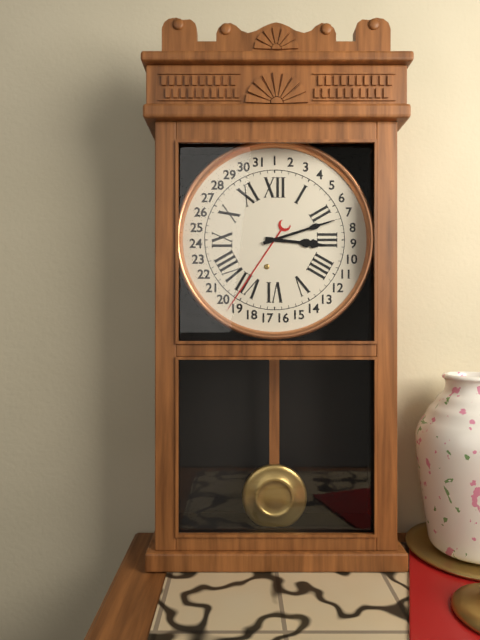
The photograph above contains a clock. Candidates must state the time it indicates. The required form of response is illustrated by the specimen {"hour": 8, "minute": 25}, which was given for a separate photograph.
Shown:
{"hour": 3, "minute": 12}
